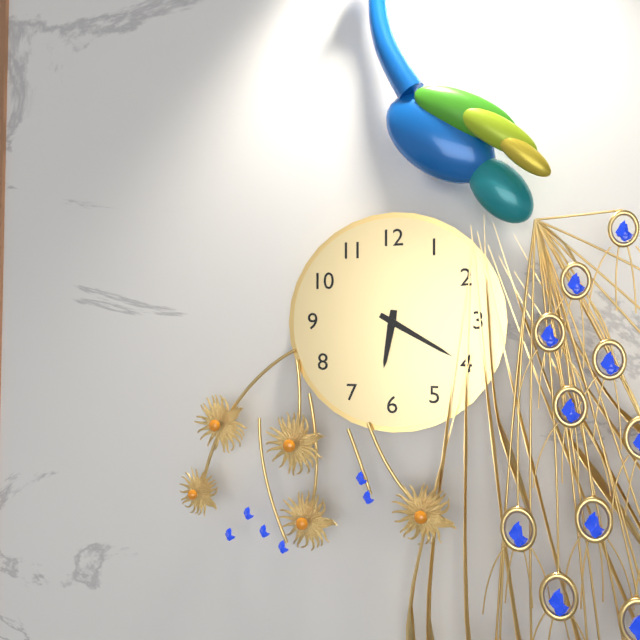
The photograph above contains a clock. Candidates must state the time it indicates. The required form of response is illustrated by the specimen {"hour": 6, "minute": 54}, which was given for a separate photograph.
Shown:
{"hour": 6, "minute": 20}
